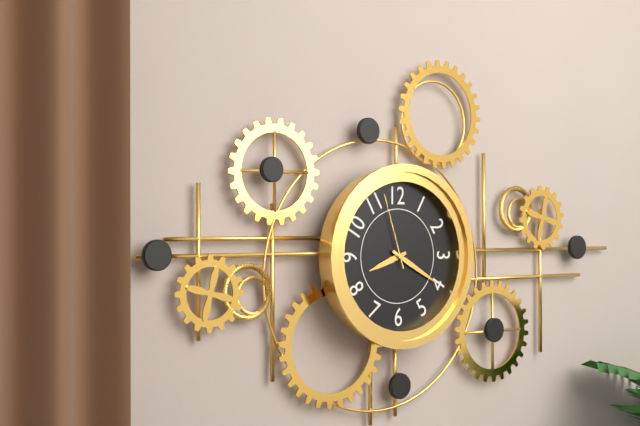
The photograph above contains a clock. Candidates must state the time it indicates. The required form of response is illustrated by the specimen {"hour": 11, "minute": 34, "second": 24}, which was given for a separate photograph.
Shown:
{"hour": 8, "minute": 20, "second": 57}
